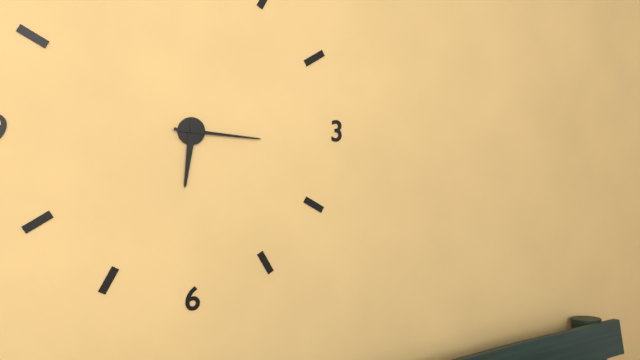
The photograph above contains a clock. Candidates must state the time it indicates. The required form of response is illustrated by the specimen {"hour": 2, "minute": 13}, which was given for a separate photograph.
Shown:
{"hour": 6, "minute": 16}
